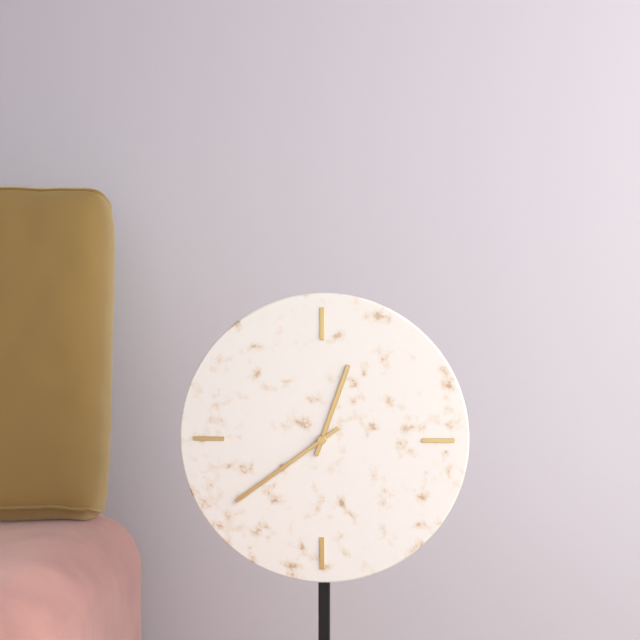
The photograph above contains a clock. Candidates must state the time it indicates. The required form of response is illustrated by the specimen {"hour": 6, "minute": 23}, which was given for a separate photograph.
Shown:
{"hour": 12, "minute": 39}
